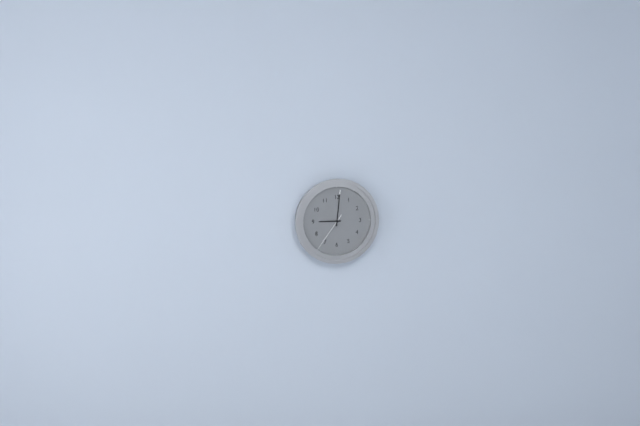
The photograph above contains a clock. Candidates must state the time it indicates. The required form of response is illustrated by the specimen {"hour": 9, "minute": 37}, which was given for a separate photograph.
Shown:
{"hour": 9, "minute": 1}
